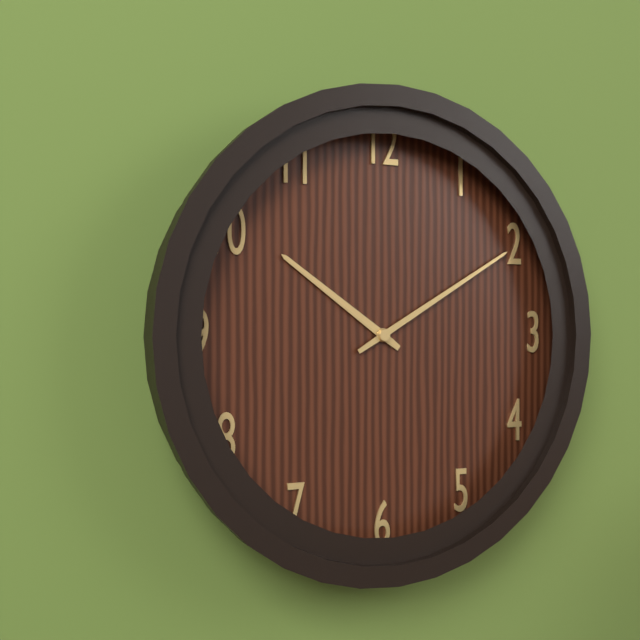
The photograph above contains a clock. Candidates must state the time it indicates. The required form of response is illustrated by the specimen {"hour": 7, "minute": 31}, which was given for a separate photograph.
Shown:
{"hour": 10, "minute": 10}
